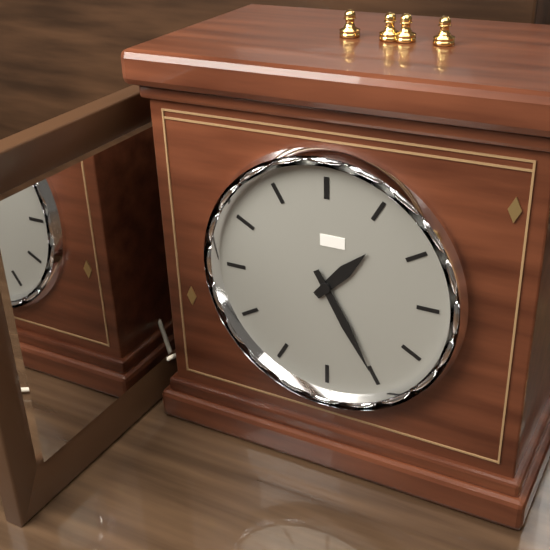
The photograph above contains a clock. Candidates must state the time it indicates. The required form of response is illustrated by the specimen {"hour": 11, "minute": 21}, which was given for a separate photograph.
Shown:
{"hour": 1, "minute": 25}
